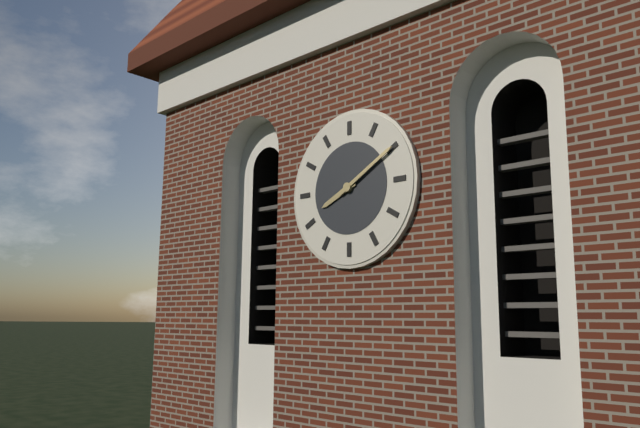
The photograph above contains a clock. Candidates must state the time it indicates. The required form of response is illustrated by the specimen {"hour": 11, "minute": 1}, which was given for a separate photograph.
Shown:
{"hour": 8, "minute": 10}
